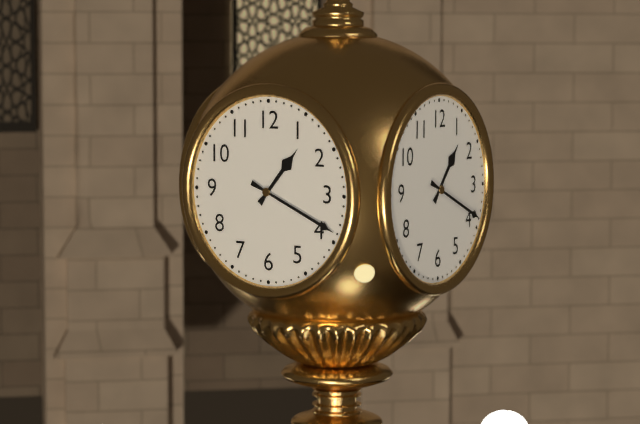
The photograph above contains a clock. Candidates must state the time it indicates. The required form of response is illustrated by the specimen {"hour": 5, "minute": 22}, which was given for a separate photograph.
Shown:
{"hour": 1, "minute": 19}
